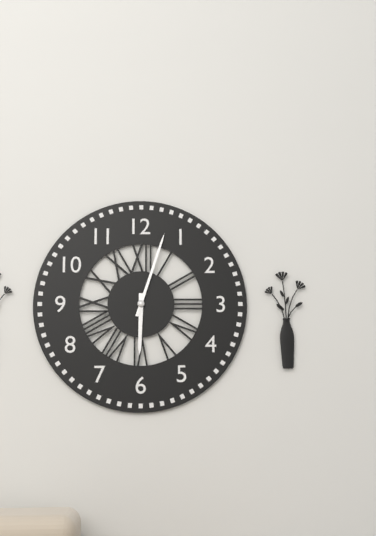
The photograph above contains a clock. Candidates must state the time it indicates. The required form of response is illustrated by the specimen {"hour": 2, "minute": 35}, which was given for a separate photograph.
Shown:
{"hour": 6, "minute": 3}
